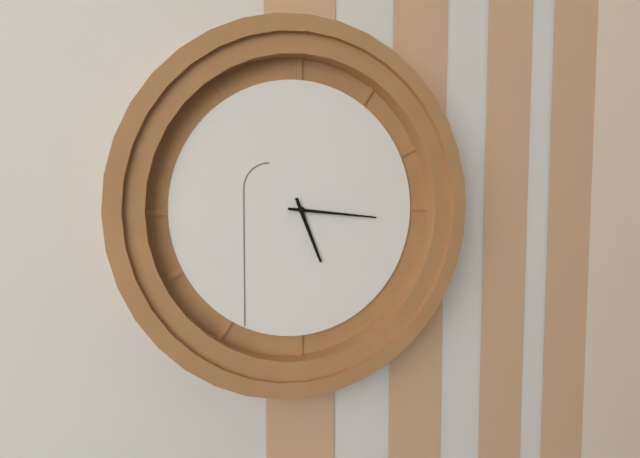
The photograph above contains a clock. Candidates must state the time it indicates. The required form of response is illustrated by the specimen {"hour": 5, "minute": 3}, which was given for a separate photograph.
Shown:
{"hour": 5, "minute": 16}
